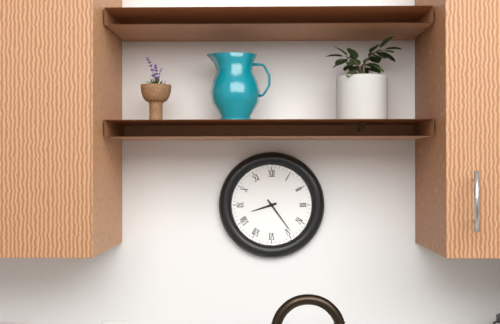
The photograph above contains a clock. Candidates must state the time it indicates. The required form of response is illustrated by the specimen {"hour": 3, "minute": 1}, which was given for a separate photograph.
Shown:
{"hour": 8, "minute": 24}
